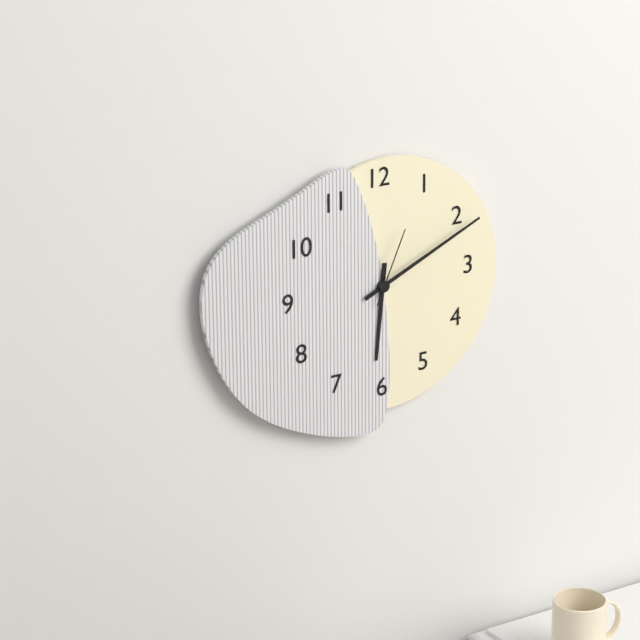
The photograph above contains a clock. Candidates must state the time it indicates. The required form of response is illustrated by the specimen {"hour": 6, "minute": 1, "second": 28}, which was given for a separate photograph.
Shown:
{"hour": 6, "minute": 11, "second": 4}
